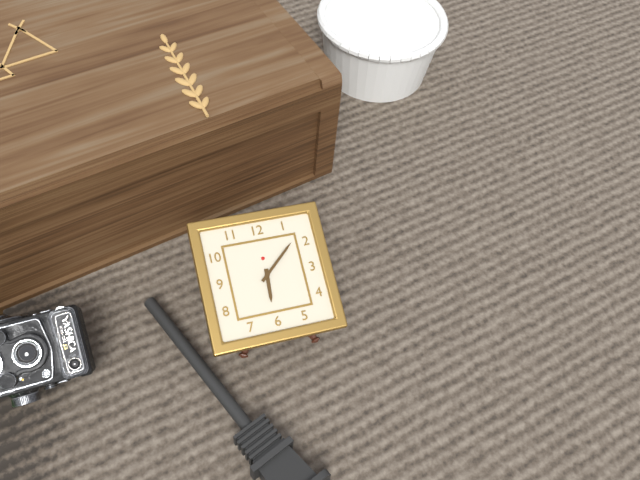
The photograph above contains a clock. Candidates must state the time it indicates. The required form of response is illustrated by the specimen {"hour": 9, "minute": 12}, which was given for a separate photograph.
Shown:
{"hour": 6, "minute": 8}
